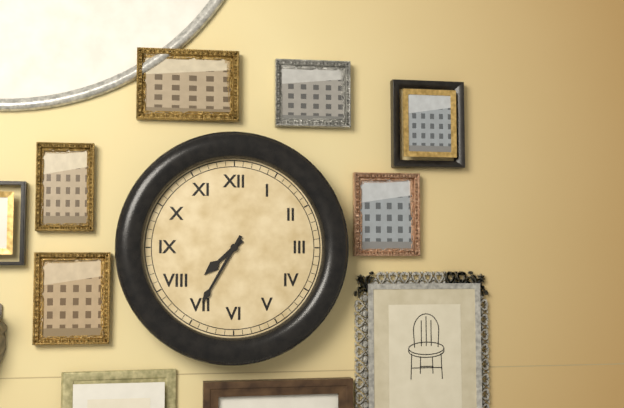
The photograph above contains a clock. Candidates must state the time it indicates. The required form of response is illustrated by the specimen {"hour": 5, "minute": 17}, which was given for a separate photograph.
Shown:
{"hour": 7, "minute": 35}
